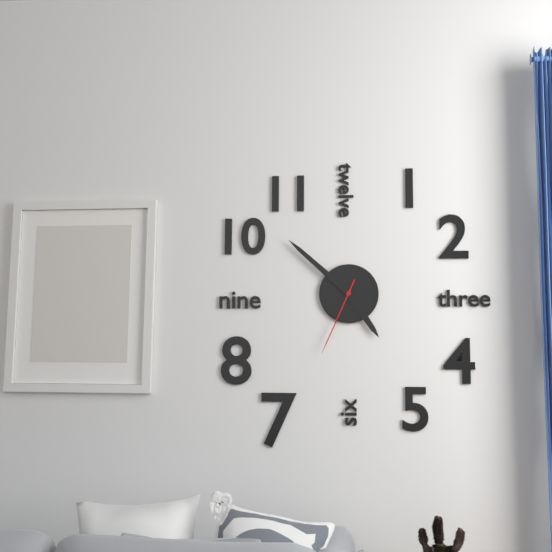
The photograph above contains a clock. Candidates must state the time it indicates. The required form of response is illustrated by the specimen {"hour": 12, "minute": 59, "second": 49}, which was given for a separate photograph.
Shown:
{"hour": 4, "minute": 52, "second": 34}
